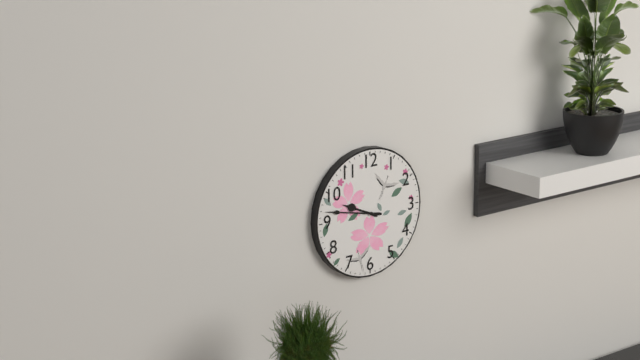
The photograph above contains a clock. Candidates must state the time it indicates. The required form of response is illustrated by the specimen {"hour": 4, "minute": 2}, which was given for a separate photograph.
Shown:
{"hour": 9, "minute": 47}
